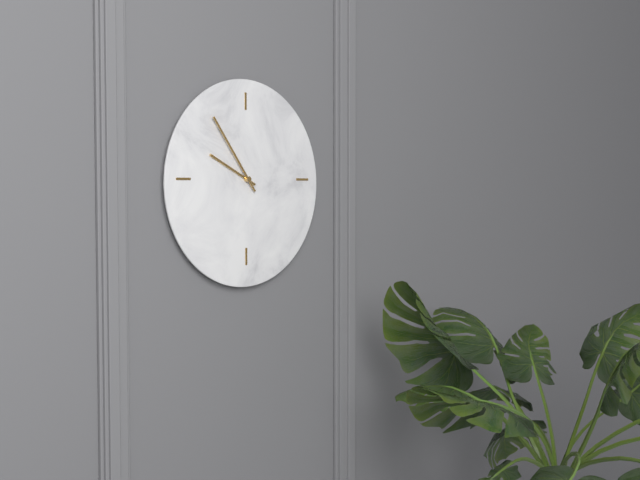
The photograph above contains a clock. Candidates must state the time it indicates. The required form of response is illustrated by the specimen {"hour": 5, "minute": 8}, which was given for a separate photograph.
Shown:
{"hour": 9, "minute": 54}
